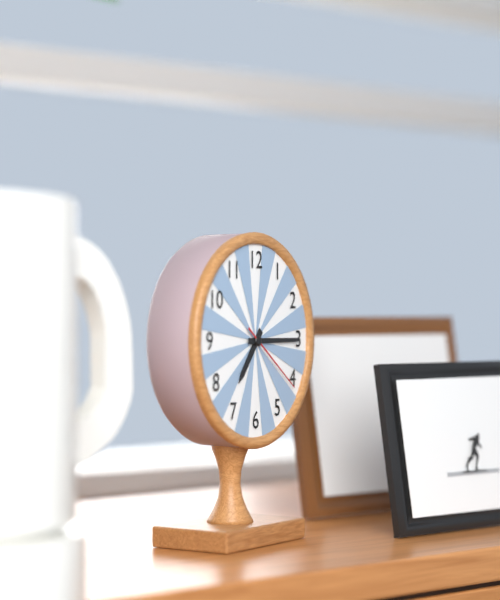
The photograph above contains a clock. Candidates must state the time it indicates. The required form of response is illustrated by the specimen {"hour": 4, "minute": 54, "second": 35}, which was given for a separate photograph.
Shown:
{"hour": 7, "minute": 15, "second": 21}
